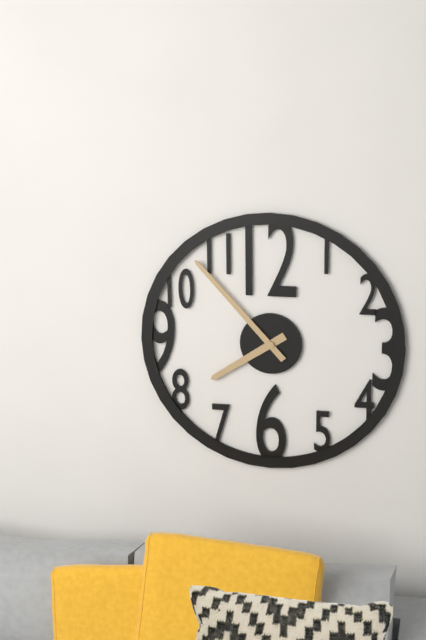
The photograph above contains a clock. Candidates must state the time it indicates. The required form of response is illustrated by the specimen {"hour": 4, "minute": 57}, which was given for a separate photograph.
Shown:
{"hour": 7, "minute": 53}
